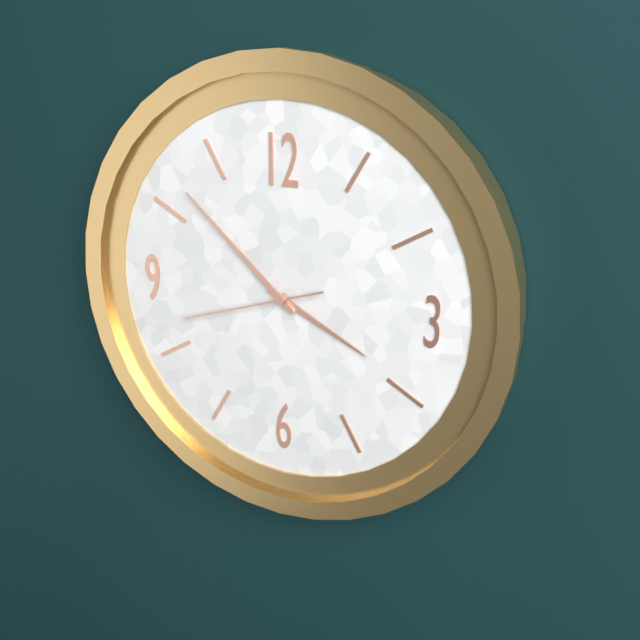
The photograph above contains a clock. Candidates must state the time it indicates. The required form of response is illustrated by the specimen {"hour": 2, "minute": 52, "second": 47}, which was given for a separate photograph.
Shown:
{"hour": 3, "minute": 52, "second": 42}
